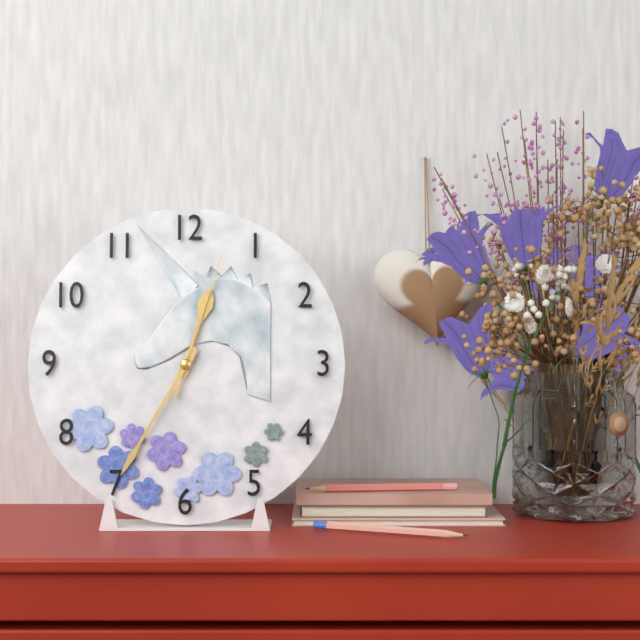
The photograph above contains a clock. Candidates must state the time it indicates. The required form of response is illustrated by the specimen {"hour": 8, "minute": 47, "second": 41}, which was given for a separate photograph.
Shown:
{"hour": 12, "minute": 35, "second": 3}
